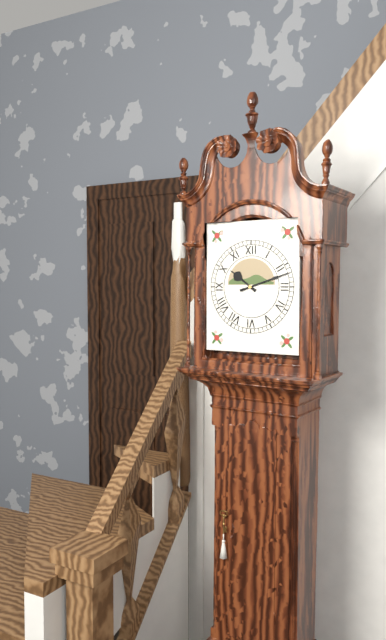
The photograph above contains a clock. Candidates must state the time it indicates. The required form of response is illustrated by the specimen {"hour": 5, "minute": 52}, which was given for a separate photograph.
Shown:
{"hour": 10, "minute": 12}
